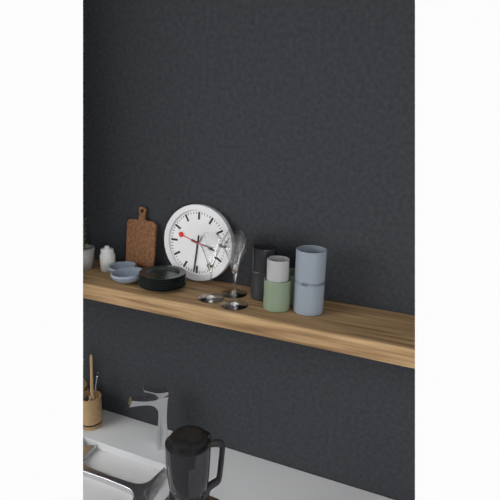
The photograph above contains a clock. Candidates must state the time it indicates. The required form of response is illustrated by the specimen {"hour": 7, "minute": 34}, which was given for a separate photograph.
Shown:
{"hour": 3, "minute": 31}
